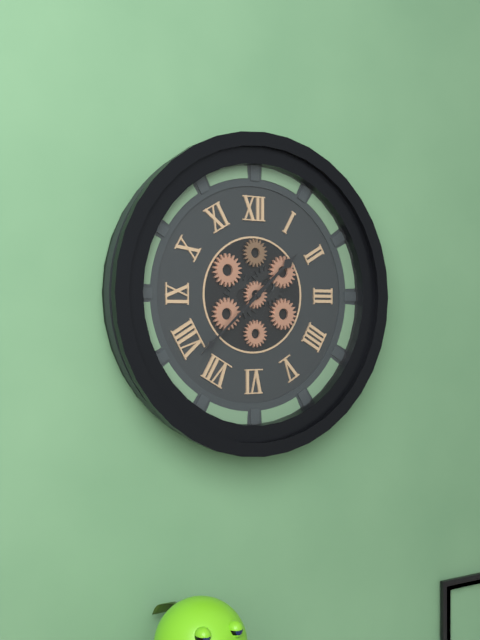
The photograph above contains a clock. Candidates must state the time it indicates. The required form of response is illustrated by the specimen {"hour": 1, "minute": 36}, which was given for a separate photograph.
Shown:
{"hour": 1, "minute": 38}
